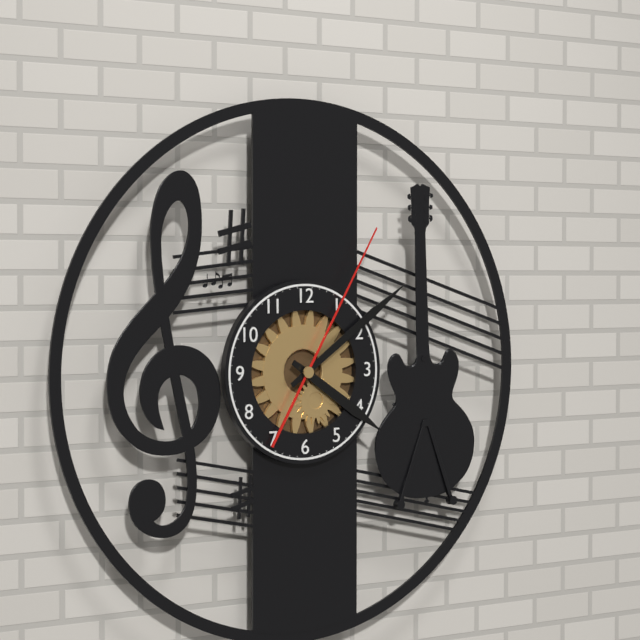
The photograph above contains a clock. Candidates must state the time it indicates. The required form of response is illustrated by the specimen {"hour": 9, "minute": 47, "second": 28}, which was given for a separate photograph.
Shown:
{"hour": 4, "minute": 9, "second": 5}
